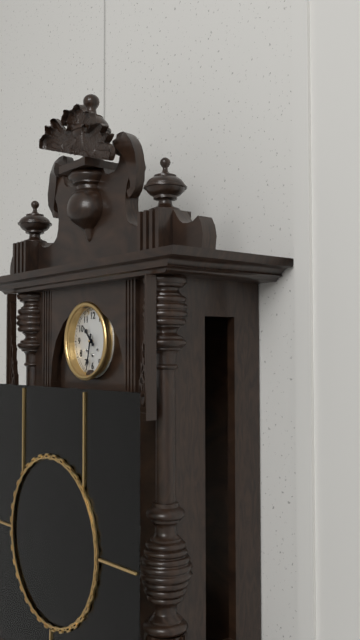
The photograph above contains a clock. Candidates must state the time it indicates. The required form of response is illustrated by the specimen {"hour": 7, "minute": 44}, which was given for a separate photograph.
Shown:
{"hour": 10, "minute": 32}
